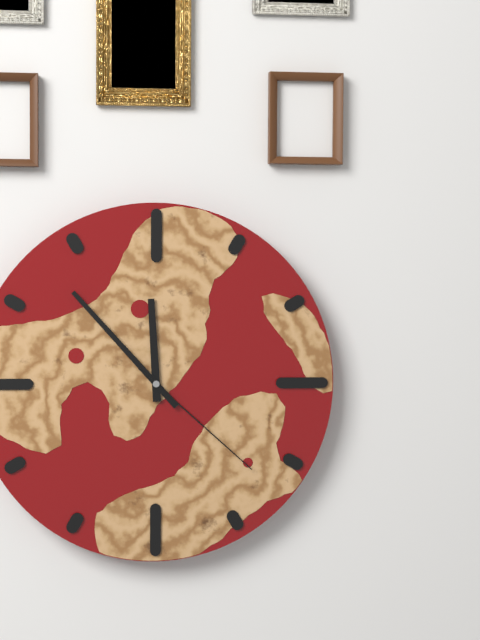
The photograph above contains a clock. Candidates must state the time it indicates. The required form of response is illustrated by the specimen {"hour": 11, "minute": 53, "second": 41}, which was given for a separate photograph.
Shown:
{"hour": 11, "minute": 53, "second": 22}
